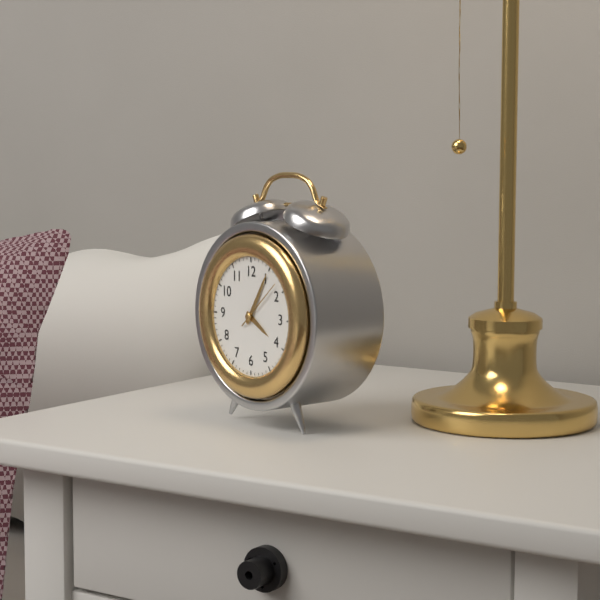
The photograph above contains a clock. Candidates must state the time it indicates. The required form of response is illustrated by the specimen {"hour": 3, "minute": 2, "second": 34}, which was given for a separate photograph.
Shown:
{"hour": 4, "minute": 5, "second": 8}
